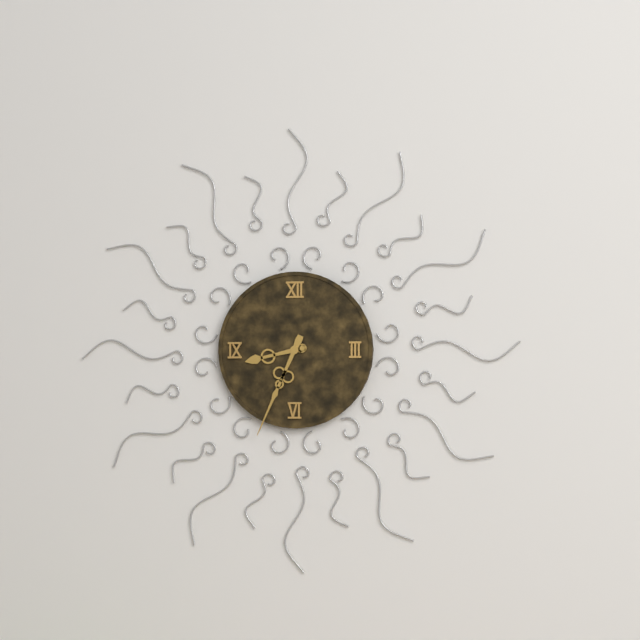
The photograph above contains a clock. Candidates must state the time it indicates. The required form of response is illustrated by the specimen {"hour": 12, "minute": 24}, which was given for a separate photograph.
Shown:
{"hour": 8, "minute": 34}
